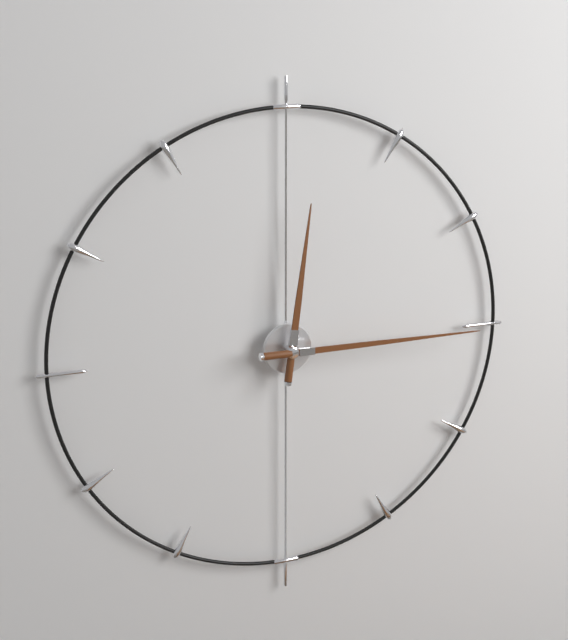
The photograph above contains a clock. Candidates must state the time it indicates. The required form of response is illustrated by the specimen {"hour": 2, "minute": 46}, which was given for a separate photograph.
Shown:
{"hour": 12, "minute": 15}
